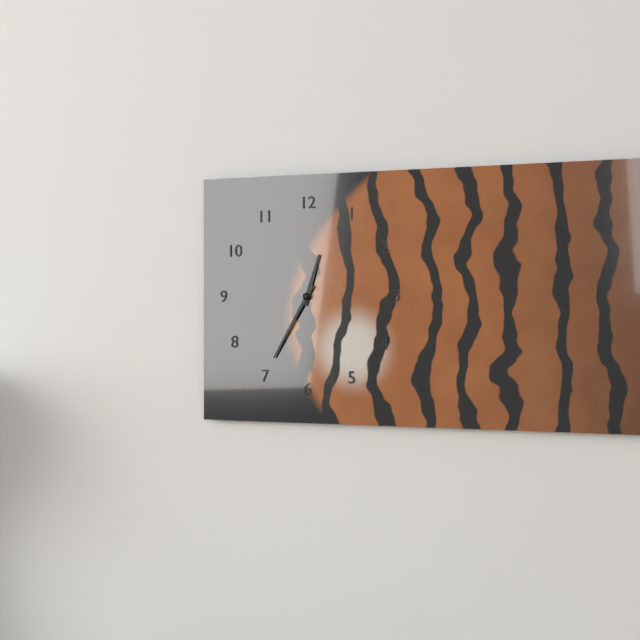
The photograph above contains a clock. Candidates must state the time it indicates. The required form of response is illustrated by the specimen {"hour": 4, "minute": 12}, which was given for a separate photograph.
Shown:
{"hour": 12, "minute": 35}
